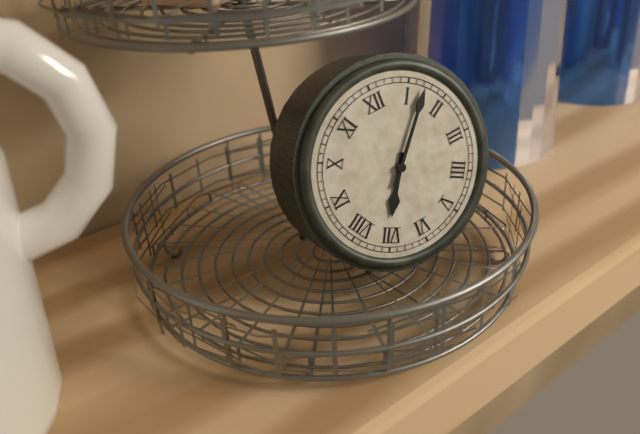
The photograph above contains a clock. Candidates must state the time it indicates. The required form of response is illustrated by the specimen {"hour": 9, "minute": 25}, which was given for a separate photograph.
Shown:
{"hour": 7, "minute": 7}
